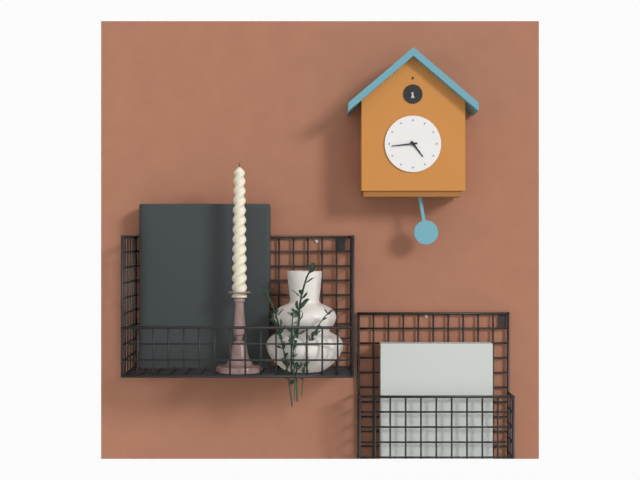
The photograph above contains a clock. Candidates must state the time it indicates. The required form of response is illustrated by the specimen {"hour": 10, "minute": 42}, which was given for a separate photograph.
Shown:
{"hour": 4, "minute": 44}
